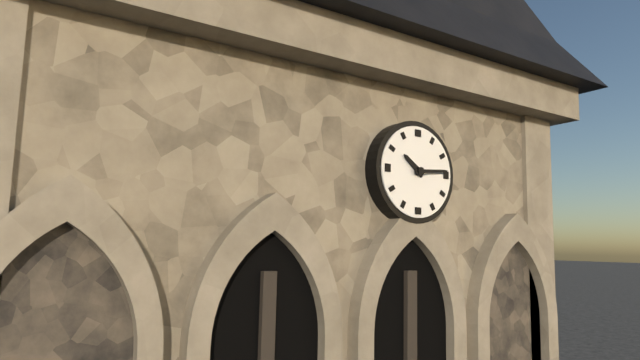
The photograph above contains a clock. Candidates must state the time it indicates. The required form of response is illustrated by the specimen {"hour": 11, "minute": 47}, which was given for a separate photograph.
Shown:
{"hour": 10, "minute": 14}
